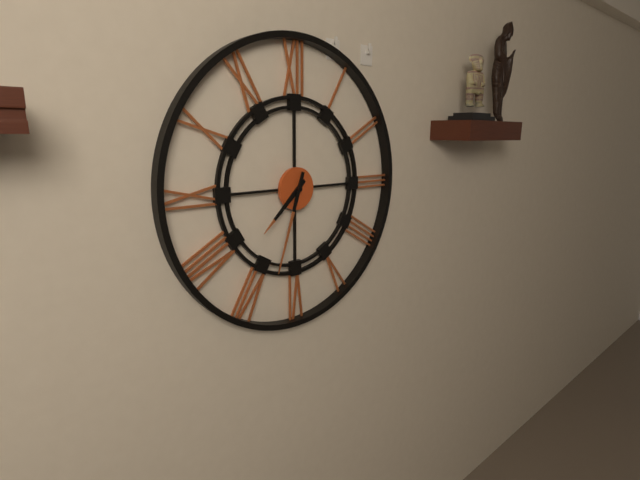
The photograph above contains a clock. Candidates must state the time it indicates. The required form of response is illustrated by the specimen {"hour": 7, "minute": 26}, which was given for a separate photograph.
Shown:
{"hour": 7, "minute": 33}
